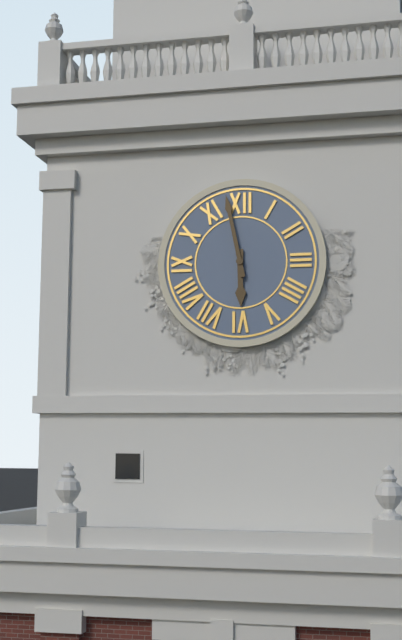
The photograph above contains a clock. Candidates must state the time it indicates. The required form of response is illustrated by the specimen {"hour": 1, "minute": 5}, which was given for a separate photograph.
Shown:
{"hour": 5, "minute": 58}
